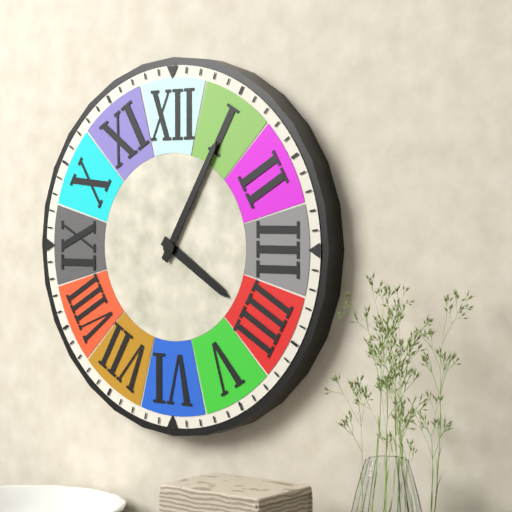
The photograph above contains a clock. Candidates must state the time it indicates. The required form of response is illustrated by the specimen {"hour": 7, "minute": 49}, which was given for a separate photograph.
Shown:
{"hour": 4, "minute": 5}
